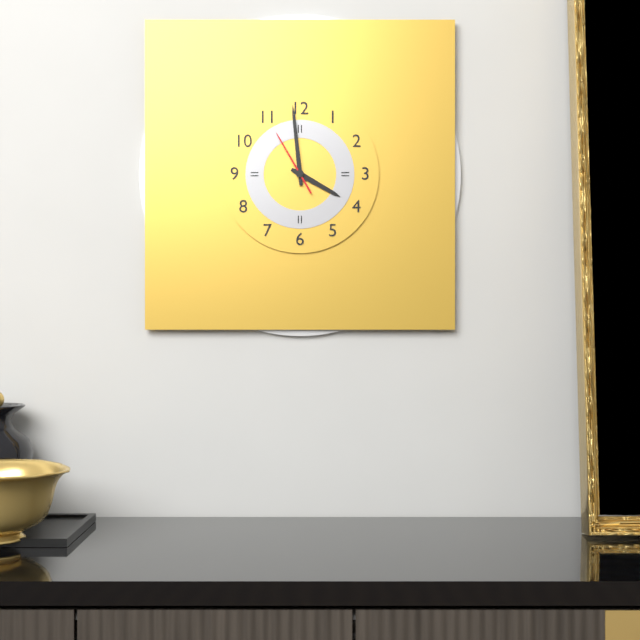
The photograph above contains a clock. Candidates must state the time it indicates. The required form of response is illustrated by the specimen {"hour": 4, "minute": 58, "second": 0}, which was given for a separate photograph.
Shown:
{"hour": 3, "minute": 59, "second": 55}
